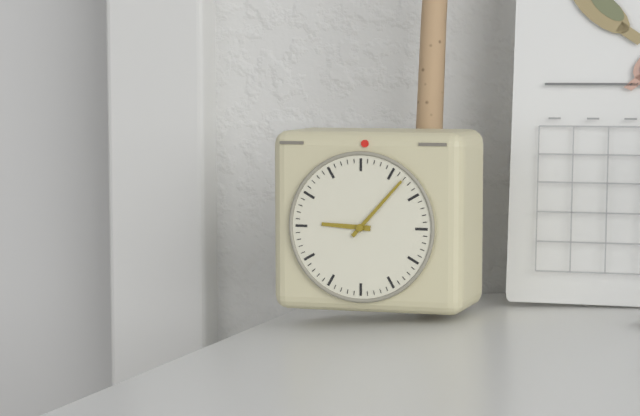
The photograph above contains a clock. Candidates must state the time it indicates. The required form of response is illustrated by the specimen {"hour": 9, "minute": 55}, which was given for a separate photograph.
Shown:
{"hour": 9, "minute": 7}
